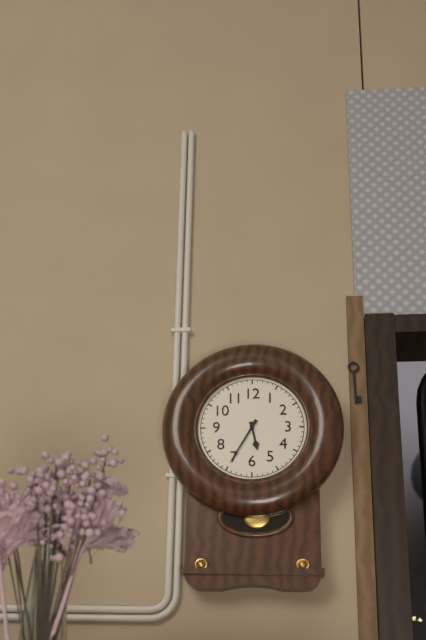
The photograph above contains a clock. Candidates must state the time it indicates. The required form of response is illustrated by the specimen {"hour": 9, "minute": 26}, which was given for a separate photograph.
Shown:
{"hour": 5, "minute": 35}
